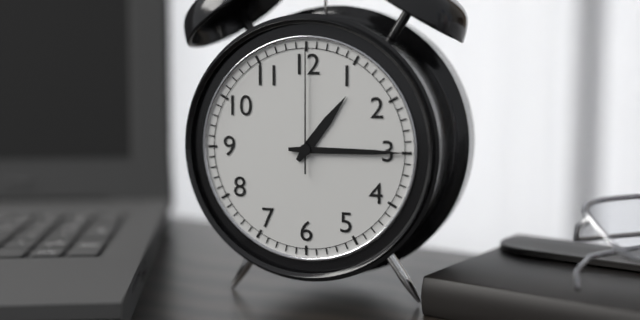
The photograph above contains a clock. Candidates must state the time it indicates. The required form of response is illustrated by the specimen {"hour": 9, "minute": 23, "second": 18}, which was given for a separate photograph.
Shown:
{"hour": 1, "minute": 15, "second": 0}
